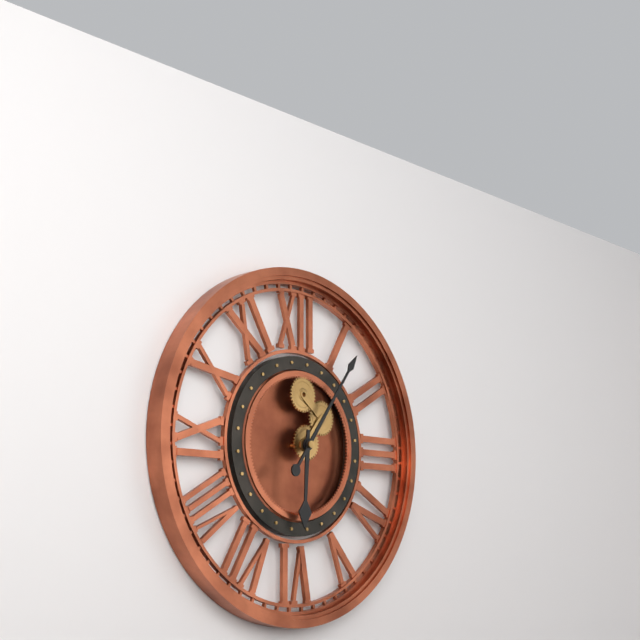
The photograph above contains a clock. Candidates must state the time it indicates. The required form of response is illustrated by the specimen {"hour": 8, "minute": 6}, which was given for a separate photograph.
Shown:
{"hour": 6, "minute": 6}
